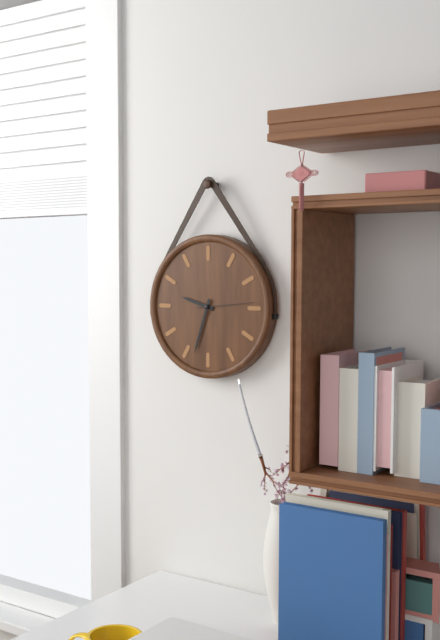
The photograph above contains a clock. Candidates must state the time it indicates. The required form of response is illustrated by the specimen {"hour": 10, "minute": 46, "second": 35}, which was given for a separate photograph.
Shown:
{"hour": 9, "minute": 33, "second": 14}
